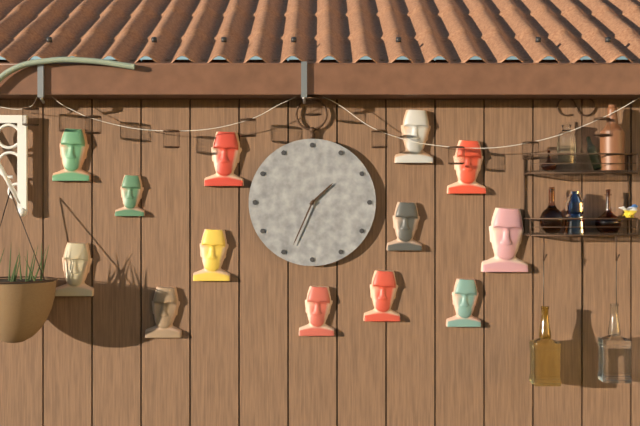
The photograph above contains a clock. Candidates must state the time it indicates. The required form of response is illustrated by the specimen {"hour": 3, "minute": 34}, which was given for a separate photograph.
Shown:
{"hour": 1, "minute": 34}
